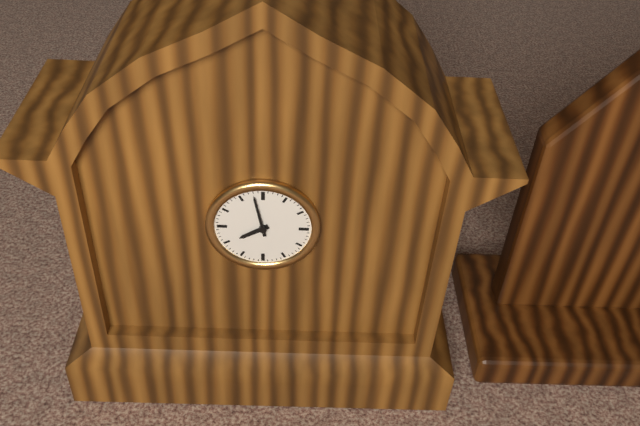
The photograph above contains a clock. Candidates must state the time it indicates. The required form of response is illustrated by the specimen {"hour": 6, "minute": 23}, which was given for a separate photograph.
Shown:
{"hour": 7, "minute": 58}
